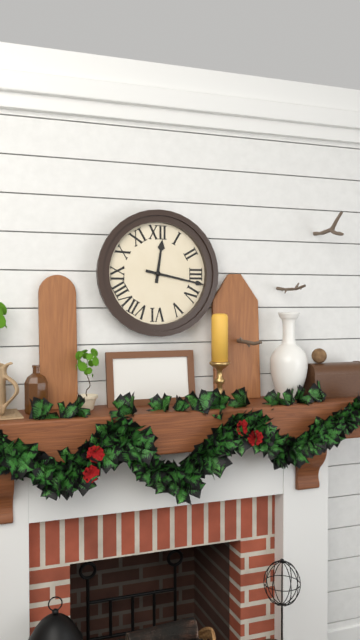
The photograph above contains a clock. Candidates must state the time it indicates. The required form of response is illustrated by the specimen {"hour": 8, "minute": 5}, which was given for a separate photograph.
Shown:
{"hour": 12, "minute": 17}
